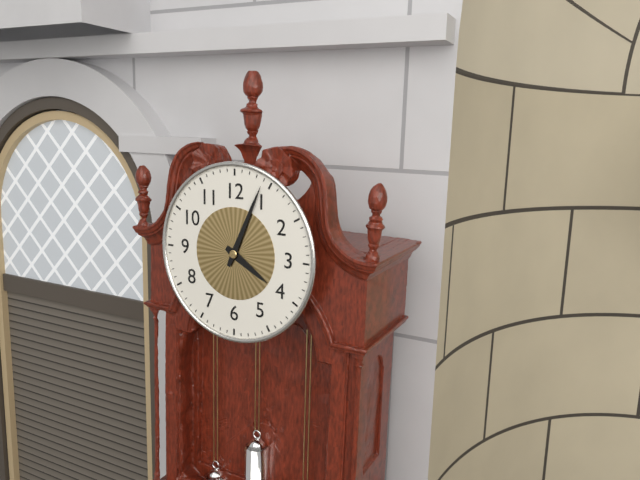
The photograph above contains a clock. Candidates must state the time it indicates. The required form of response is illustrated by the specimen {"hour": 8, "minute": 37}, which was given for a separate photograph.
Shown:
{"hour": 4, "minute": 4}
